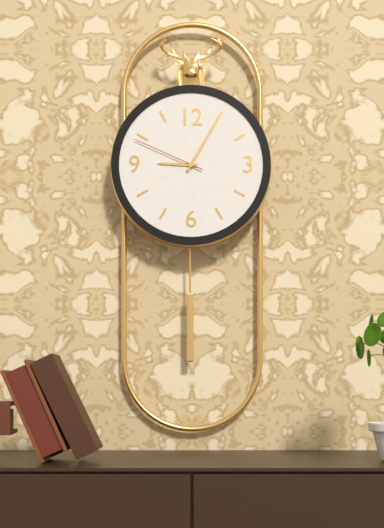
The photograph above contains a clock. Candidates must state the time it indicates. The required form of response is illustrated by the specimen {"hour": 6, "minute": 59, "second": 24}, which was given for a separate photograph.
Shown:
{"hour": 9, "minute": 5, "second": 49}
